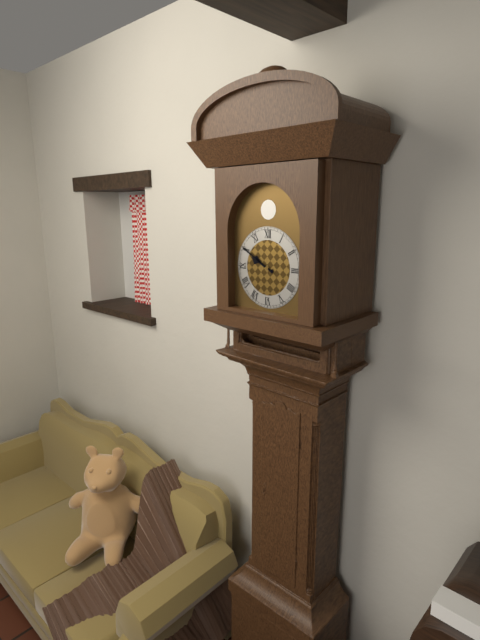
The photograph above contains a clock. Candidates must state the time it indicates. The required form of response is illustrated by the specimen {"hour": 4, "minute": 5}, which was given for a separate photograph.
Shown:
{"hour": 9, "minute": 50}
